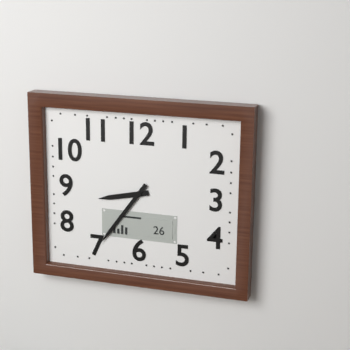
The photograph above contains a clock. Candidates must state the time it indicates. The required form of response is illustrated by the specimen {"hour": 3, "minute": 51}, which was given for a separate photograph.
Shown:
{"hour": 8, "minute": 36}
